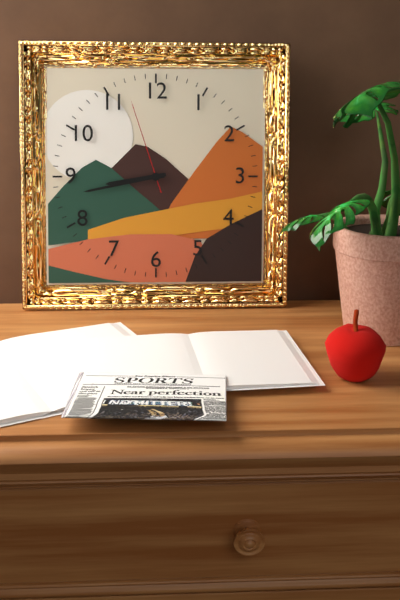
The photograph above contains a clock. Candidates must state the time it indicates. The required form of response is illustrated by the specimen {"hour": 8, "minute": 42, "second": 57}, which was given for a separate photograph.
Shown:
{"hour": 8, "minute": 43, "second": 57}
